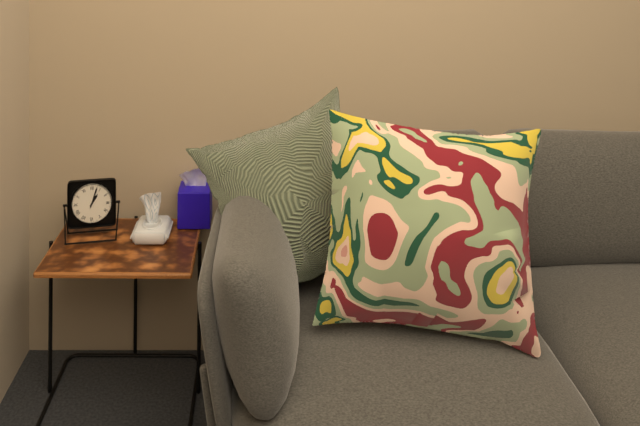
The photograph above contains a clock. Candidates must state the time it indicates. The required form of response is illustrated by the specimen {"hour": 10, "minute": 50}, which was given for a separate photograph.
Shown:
{"hour": 1, "minute": 3}
